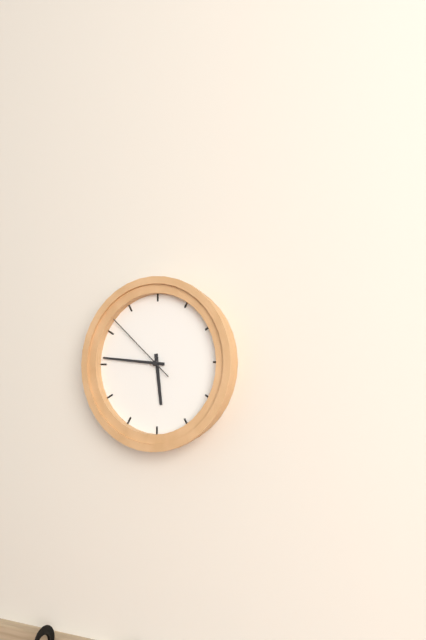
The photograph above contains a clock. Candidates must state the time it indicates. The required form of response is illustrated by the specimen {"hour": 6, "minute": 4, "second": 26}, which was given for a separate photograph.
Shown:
{"hour": 5, "minute": 46, "second": 52}
